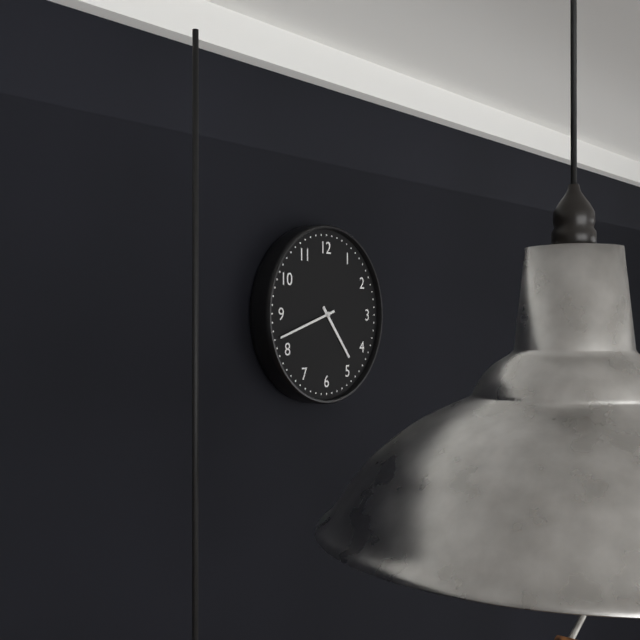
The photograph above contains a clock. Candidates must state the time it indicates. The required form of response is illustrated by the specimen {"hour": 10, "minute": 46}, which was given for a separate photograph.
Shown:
{"hour": 4, "minute": 42}
